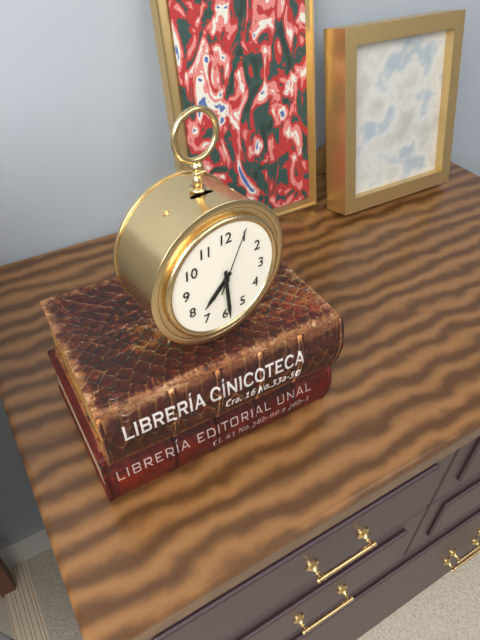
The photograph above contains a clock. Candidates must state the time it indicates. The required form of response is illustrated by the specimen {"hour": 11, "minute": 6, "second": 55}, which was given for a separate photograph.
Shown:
{"hour": 7, "minute": 29, "second": 4}
